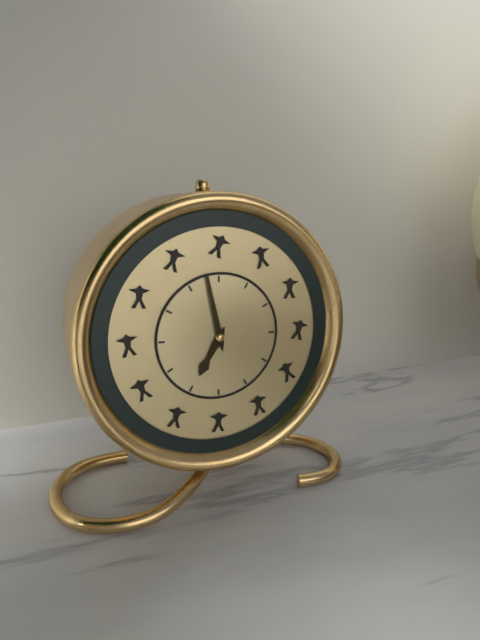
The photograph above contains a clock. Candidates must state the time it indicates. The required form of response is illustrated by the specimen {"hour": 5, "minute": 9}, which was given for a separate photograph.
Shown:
{"hour": 6, "minute": 58}
